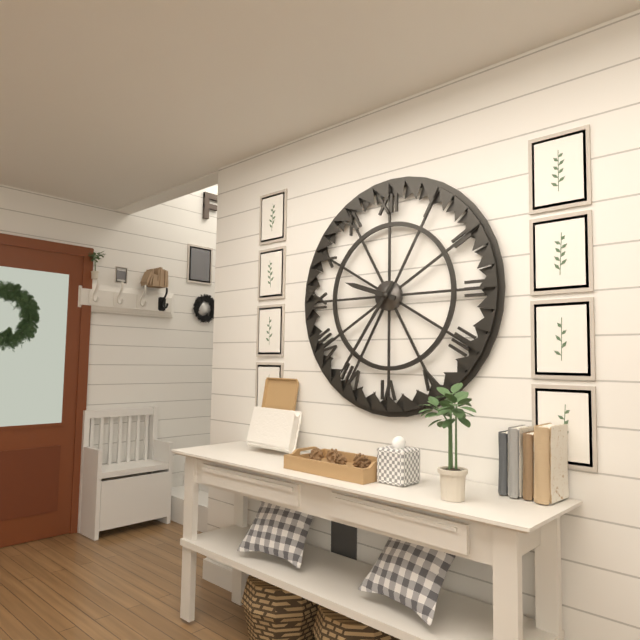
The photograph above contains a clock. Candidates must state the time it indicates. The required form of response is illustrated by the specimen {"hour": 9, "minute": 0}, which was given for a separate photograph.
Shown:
{"hour": 9, "minute": 36}
